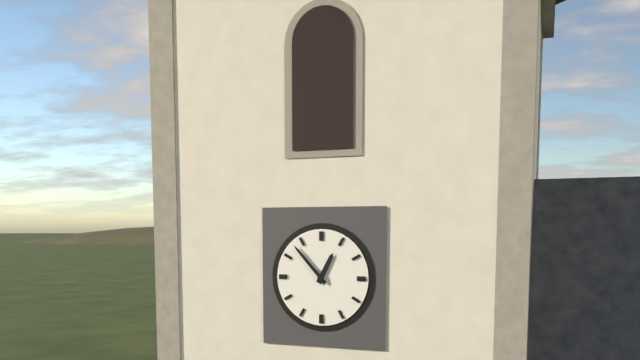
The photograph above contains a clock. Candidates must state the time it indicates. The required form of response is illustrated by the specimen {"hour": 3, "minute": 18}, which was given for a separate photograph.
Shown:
{"hour": 12, "minute": 53}
